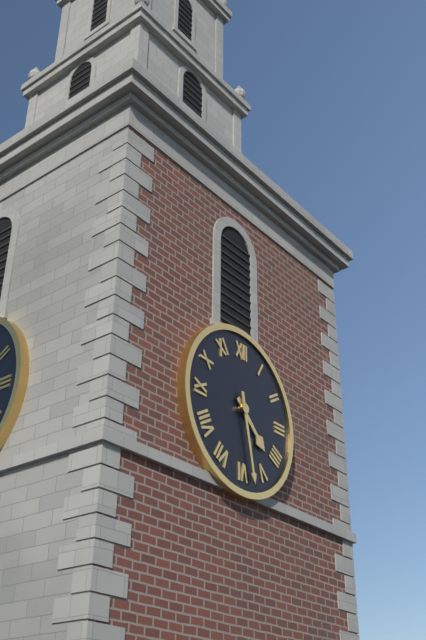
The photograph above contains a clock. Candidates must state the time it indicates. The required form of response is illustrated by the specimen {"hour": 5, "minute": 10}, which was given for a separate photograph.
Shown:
{"hour": 4, "minute": 28}
